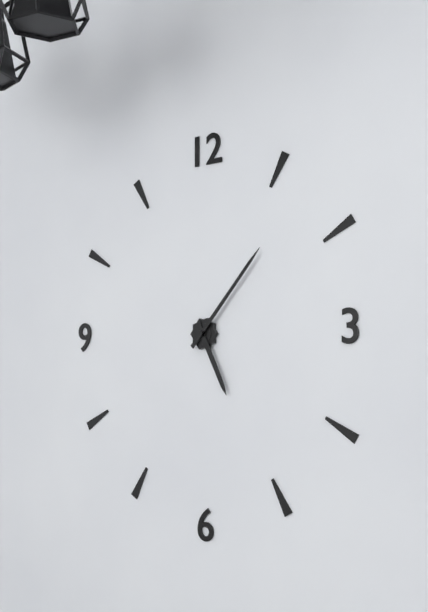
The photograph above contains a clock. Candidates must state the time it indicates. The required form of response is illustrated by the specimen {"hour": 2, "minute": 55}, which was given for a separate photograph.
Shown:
{"hour": 5, "minute": 7}
